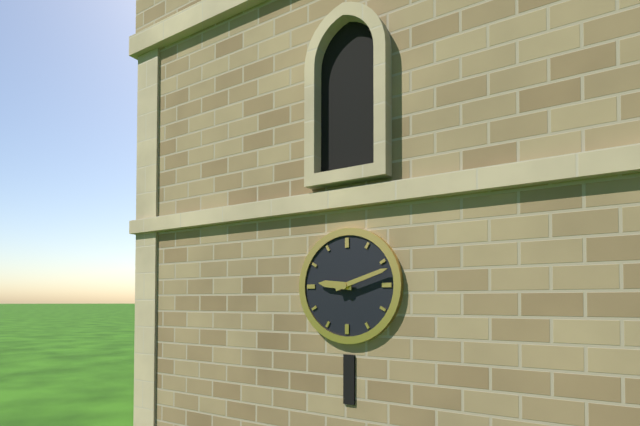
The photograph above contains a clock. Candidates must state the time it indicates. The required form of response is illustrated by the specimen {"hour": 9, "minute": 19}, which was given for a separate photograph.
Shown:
{"hour": 9, "minute": 12}
